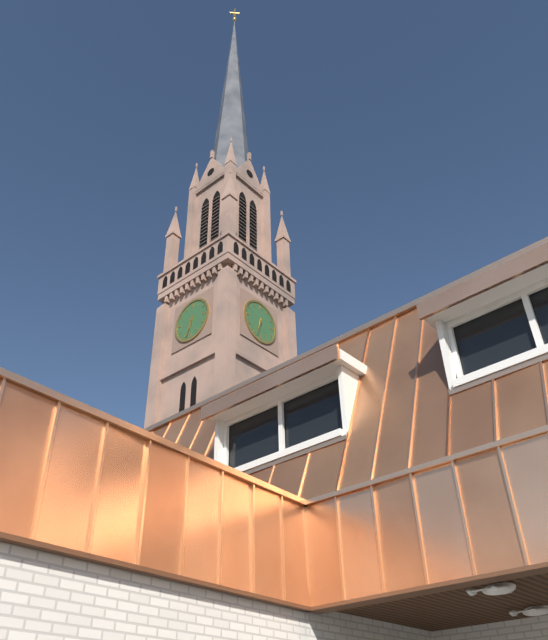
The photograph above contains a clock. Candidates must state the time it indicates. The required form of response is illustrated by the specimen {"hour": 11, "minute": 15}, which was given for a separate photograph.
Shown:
{"hour": 6, "minute": 33}
